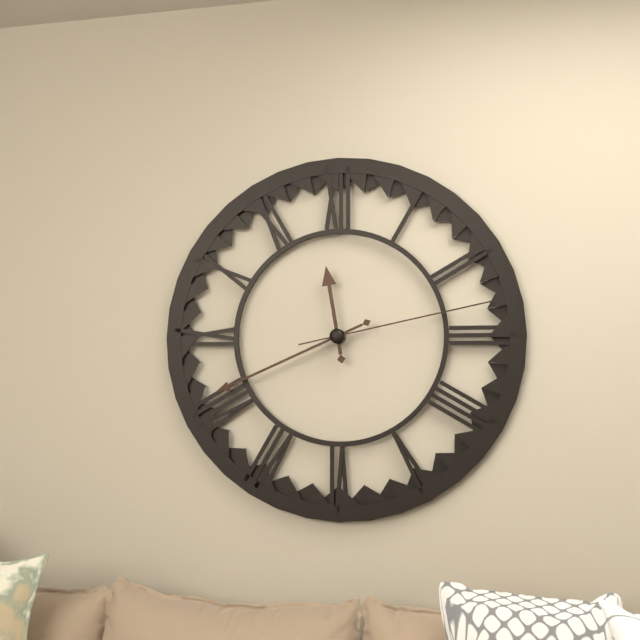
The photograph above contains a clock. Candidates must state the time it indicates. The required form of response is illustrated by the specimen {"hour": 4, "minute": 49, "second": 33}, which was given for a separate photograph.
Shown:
{"hour": 11, "minute": 41, "second": 13}
